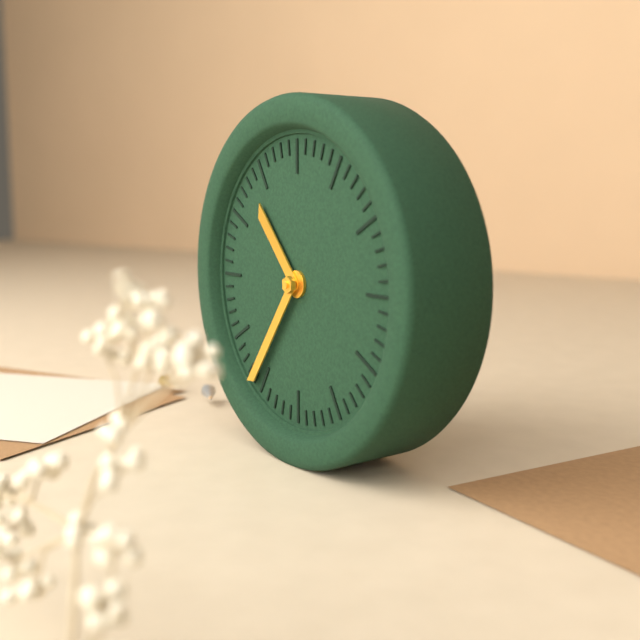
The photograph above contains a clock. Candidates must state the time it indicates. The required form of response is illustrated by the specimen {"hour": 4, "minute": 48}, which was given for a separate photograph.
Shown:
{"hour": 10, "minute": 36}
